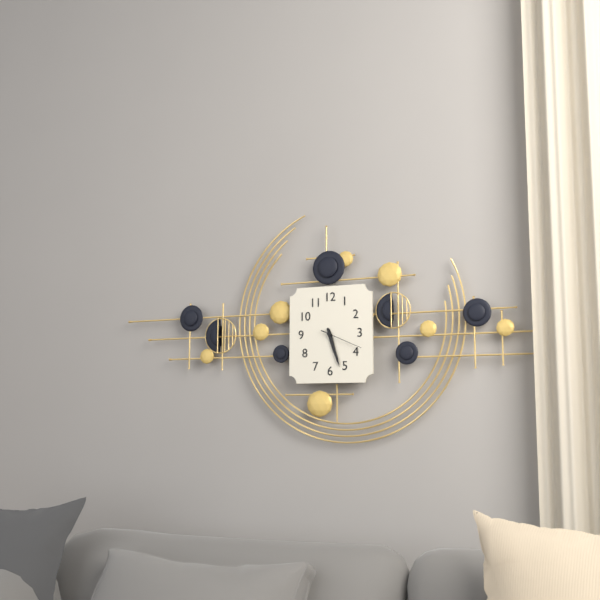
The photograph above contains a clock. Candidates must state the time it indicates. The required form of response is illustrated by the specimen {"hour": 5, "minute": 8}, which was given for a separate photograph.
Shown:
{"hour": 5, "minute": 27}
